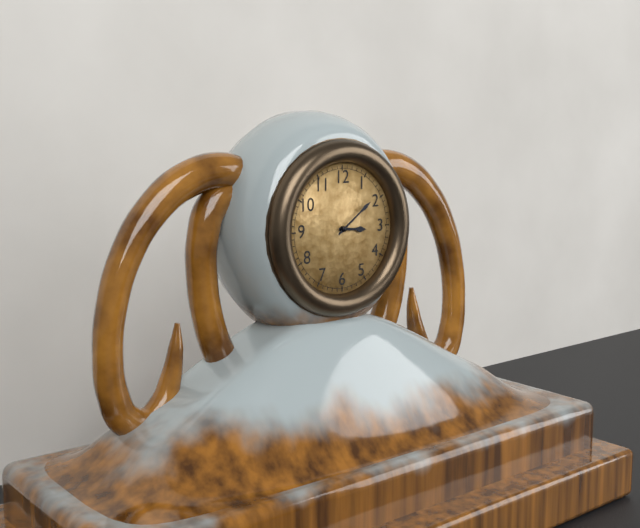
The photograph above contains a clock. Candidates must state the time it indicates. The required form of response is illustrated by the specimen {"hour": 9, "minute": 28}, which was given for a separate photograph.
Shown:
{"hour": 3, "minute": 9}
